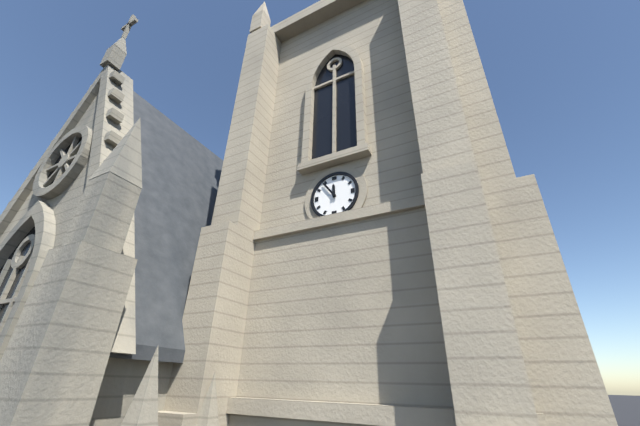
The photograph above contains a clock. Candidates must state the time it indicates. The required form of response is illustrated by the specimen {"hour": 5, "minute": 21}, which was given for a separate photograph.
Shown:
{"hour": 11, "minute": 54}
